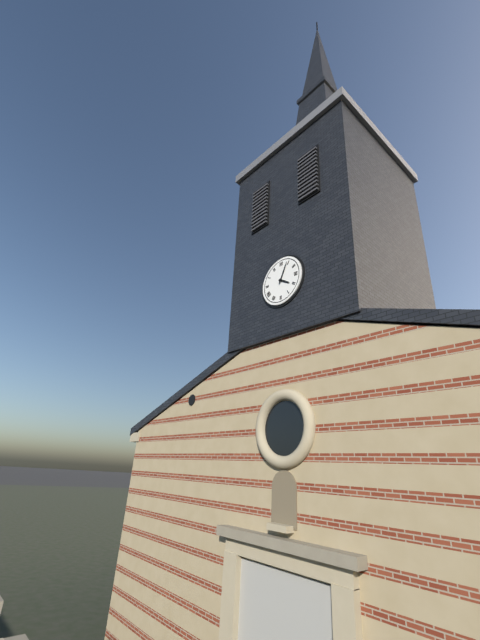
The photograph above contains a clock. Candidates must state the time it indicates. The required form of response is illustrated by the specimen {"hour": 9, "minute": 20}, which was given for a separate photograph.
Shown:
{"hour": 4, "minute": 4}
